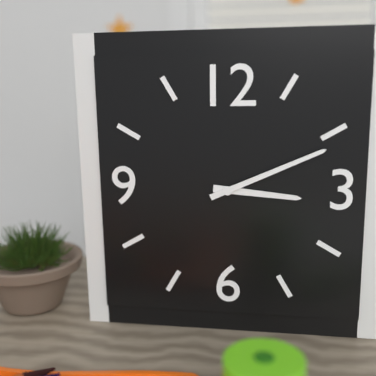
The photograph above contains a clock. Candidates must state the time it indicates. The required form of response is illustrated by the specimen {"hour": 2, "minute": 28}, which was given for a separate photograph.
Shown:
{"hour": 3, "minute": 11}
